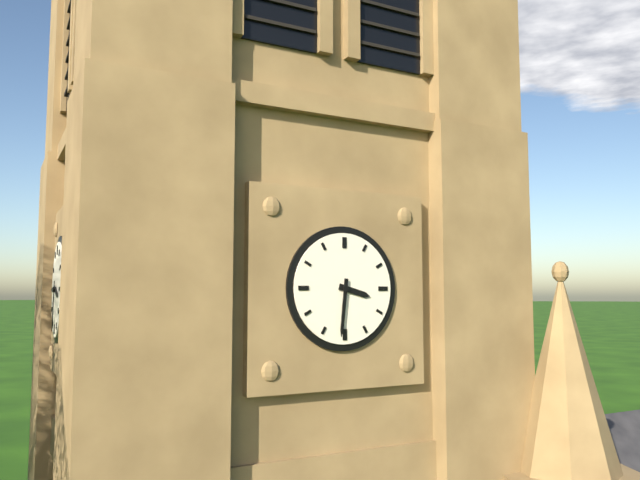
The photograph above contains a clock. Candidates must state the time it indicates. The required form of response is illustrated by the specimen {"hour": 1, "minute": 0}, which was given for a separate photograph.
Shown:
{"hour": 3, "minute": 31}
